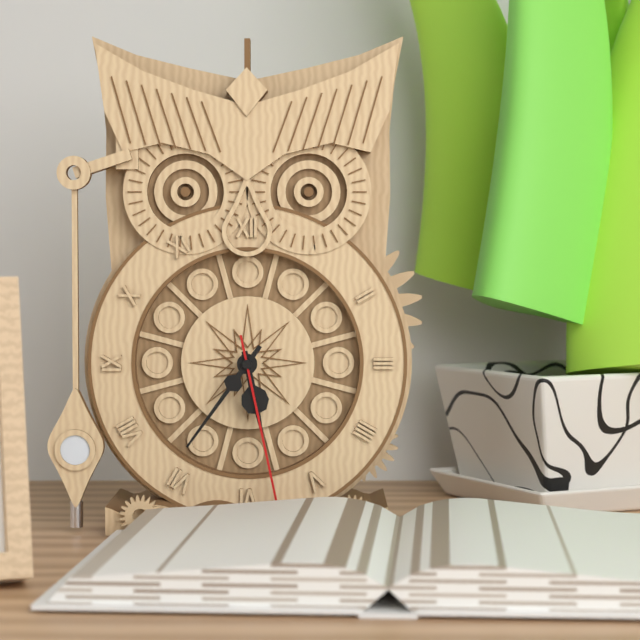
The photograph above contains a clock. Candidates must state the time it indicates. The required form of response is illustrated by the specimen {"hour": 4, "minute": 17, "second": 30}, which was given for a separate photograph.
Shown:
{"hour": 5, "minute": 36, "second": 28}
